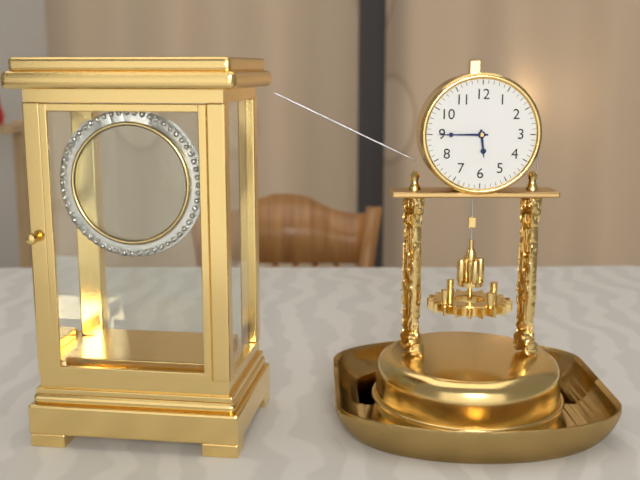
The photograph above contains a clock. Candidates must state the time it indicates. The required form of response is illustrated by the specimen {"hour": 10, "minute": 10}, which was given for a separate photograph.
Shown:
{"hour": 5, "minute": 45}
